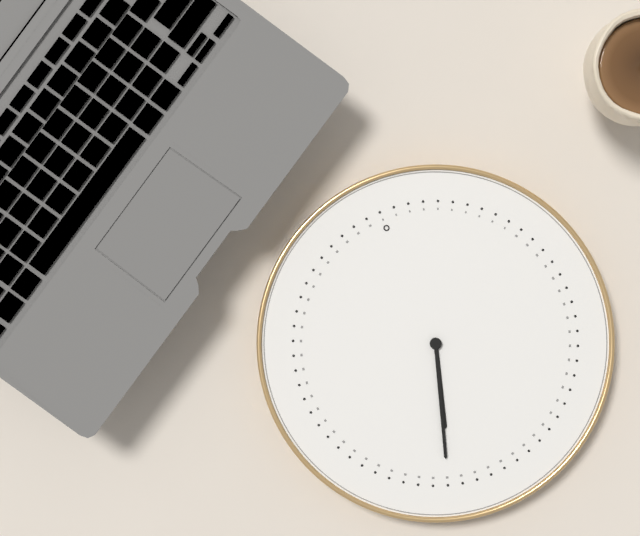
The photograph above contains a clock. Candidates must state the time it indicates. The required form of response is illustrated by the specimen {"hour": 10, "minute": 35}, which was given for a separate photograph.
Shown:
{"hour": 6, "minute": 33}
